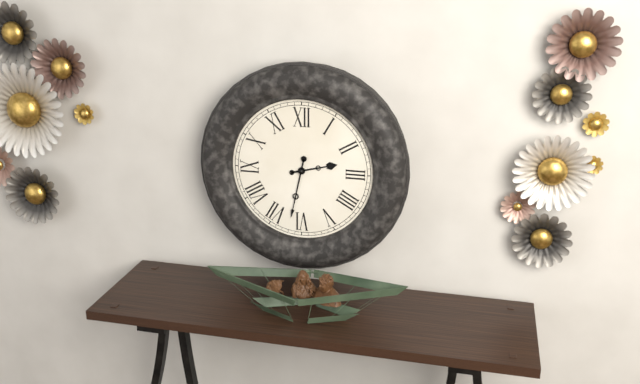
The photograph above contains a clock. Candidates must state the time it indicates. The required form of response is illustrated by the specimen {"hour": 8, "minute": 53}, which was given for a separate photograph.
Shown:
{"hour": 2, "minute": 32}
